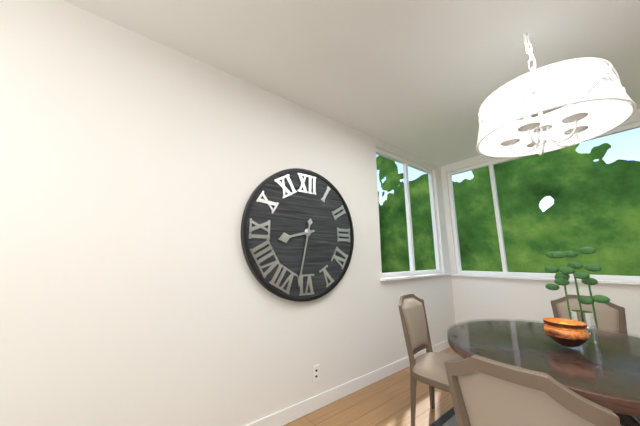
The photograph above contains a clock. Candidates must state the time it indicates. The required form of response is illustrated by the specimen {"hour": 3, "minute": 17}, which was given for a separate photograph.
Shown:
{"hour": 8, "minute": 32}
